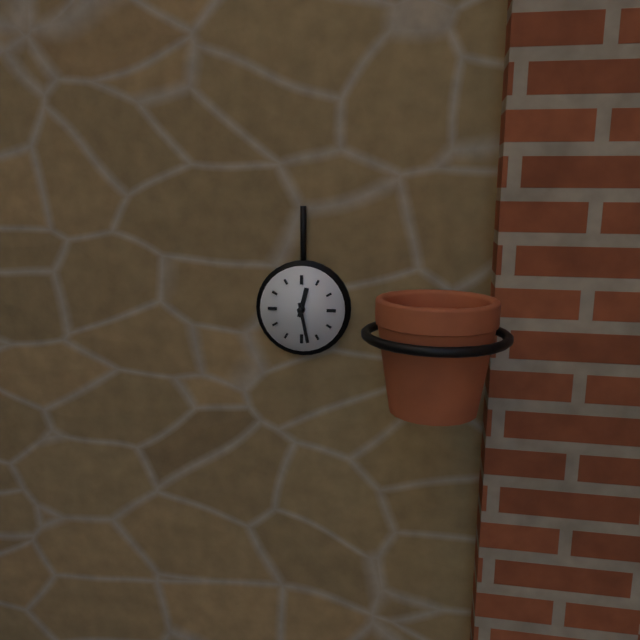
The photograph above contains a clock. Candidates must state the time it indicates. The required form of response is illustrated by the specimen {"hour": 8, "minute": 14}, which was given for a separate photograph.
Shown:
{"hour": 12, "minute": 28}
